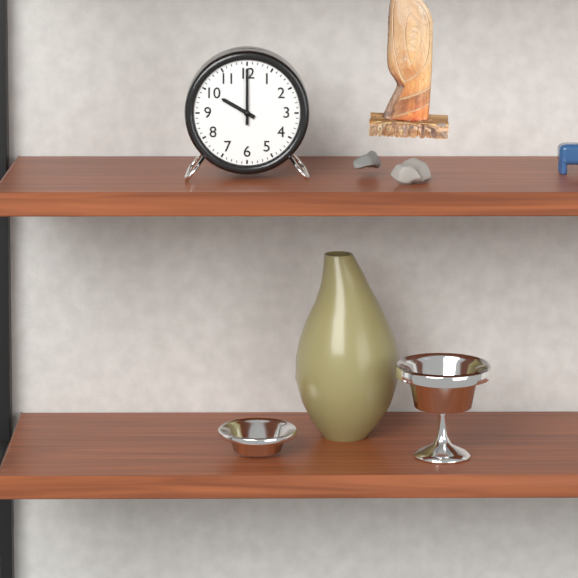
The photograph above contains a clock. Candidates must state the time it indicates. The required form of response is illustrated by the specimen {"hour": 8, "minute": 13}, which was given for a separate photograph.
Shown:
{"hour": 10, "minute": 0}
